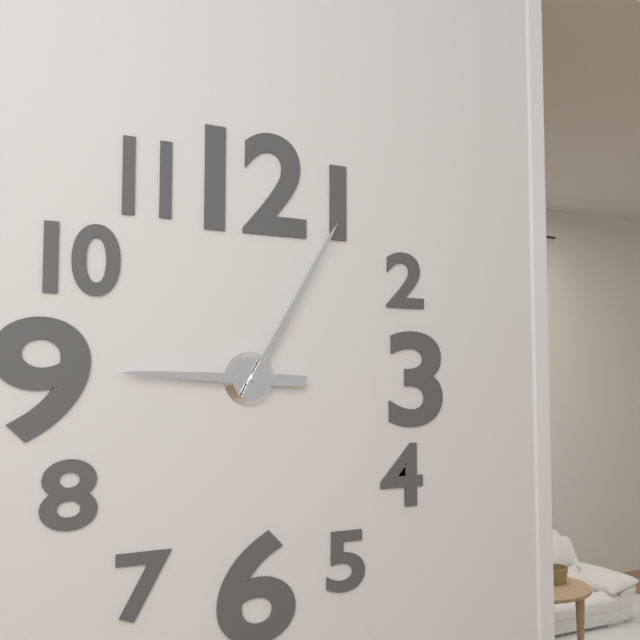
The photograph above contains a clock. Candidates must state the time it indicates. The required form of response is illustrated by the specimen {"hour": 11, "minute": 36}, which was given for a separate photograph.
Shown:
{"hour": 9, "minute": 5}
